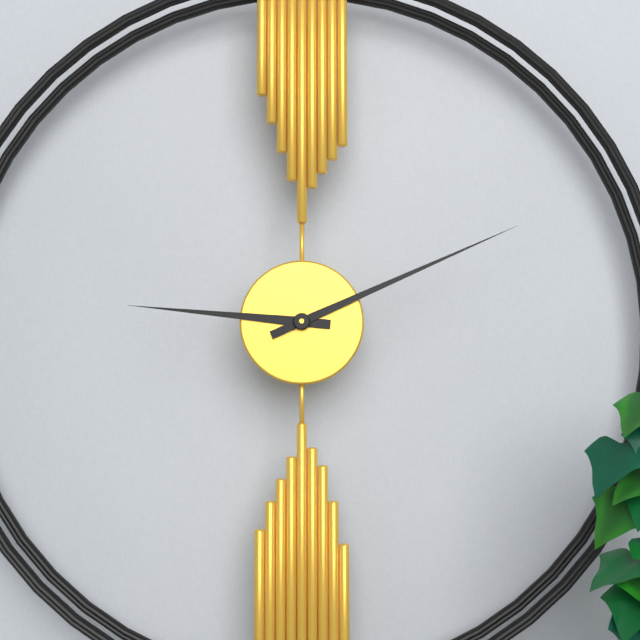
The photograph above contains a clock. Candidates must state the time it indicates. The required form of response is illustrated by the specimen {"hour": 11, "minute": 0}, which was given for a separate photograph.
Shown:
{"hour": 9, "minute": 11}
